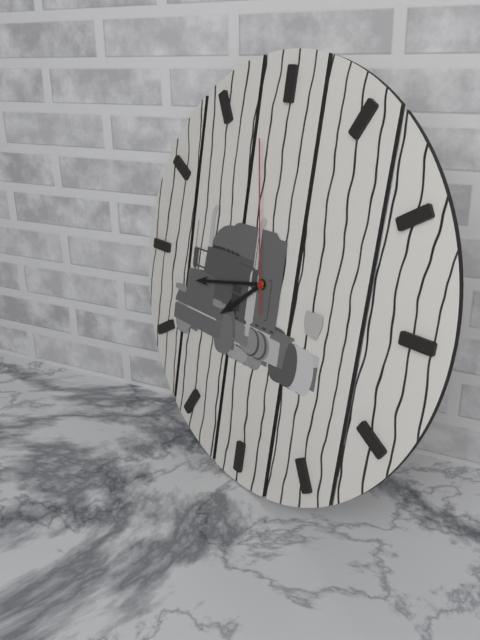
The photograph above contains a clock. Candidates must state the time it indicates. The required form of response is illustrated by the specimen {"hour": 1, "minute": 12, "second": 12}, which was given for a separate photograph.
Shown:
{"hour": 7, "minute": 43, "second": 58}
